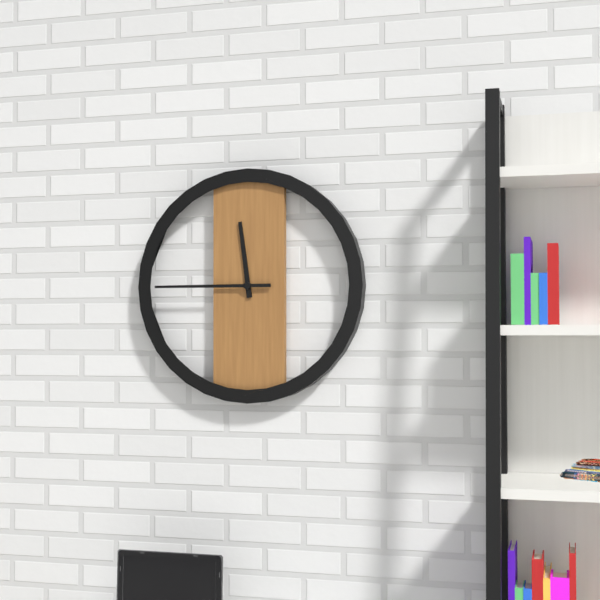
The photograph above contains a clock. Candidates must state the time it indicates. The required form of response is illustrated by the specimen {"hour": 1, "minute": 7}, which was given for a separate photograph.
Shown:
{"hour": 11, "minute": 45}
